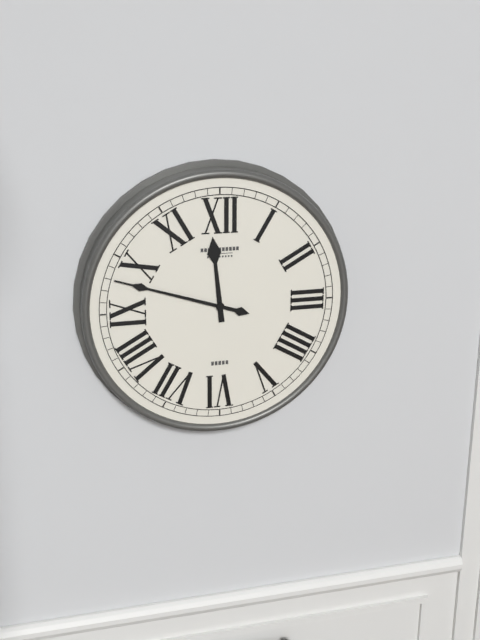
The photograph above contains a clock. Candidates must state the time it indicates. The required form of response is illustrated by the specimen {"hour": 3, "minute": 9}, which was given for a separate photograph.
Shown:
{"hour": 11, "minute": 48}
